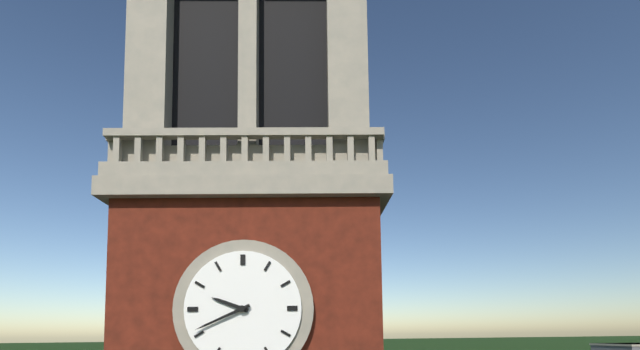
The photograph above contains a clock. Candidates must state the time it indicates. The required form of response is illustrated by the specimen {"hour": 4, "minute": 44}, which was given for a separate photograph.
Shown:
{"hour": 9, "minute": 41}
